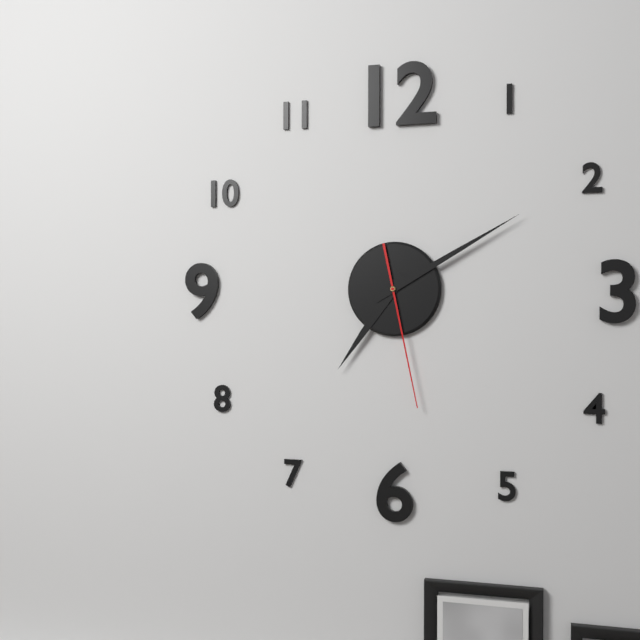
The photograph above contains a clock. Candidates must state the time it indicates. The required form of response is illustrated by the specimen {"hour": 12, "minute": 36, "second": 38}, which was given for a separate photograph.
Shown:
{"hour": 7, "minute": 10, "second": 28}
